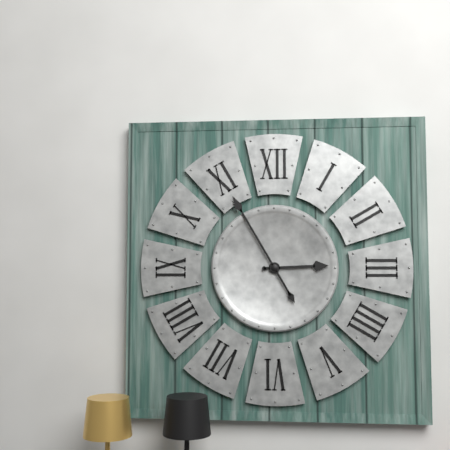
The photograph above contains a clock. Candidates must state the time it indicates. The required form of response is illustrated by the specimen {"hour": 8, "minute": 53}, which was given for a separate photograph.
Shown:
{"hour": 2, "minute": 55}
